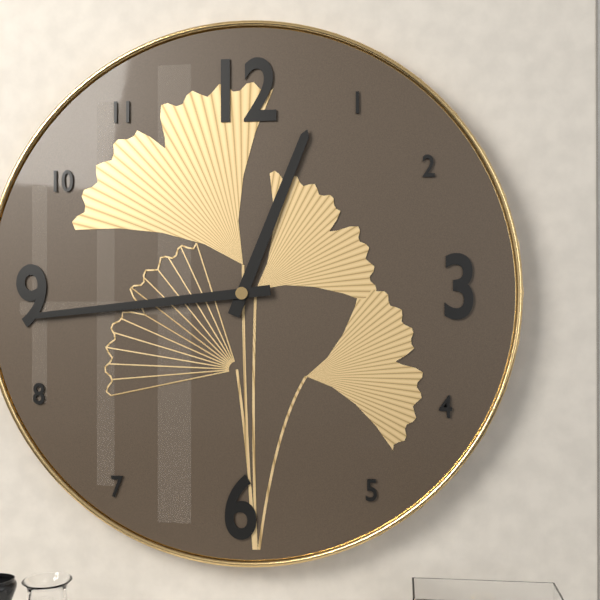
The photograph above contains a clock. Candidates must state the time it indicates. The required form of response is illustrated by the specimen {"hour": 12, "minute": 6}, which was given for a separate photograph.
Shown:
{"hour": 12, "minute": 44}
